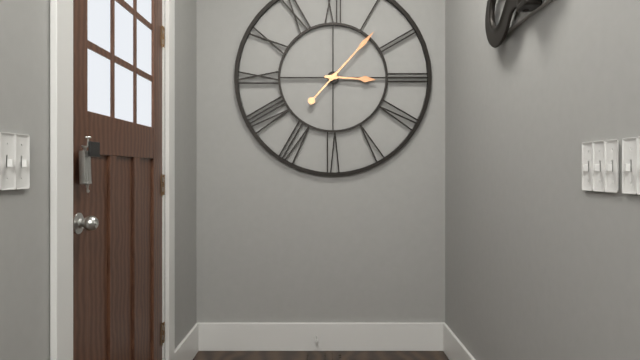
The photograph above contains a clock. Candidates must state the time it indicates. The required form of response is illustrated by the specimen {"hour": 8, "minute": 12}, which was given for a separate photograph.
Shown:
{"hour": 3, "minute": 7}
